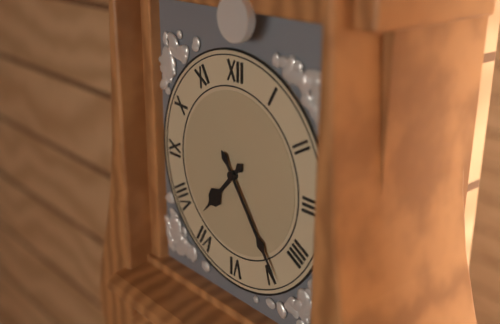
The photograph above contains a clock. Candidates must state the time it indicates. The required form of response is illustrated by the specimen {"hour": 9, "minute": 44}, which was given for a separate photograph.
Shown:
{"hour": 7, "minute": 24}
